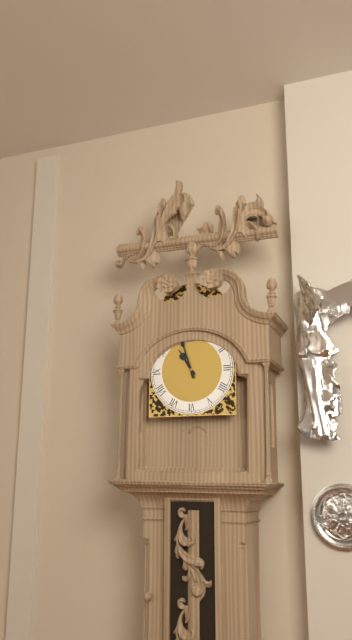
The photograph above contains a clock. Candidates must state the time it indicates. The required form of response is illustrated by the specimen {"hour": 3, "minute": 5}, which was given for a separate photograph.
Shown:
{"hour": 10, "minute": 57}
